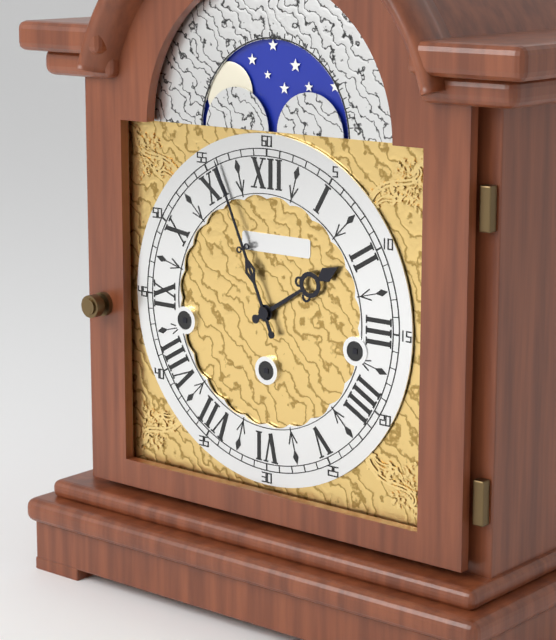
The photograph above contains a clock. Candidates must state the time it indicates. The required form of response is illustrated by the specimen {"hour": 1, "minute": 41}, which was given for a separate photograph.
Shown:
{"hour": 1, "minute": 56}
